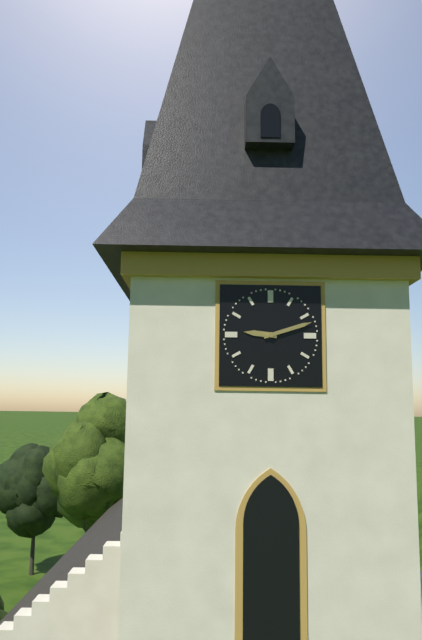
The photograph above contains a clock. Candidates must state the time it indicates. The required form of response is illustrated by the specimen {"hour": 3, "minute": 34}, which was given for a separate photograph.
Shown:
{"hour": 9, "minute": 12}
